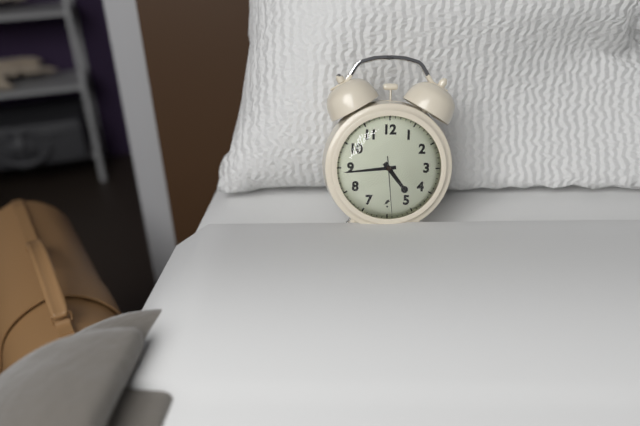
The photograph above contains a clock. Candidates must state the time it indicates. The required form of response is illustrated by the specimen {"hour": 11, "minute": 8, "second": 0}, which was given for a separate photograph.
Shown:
{"hour": 4, "minute": 44, "second": 29}
